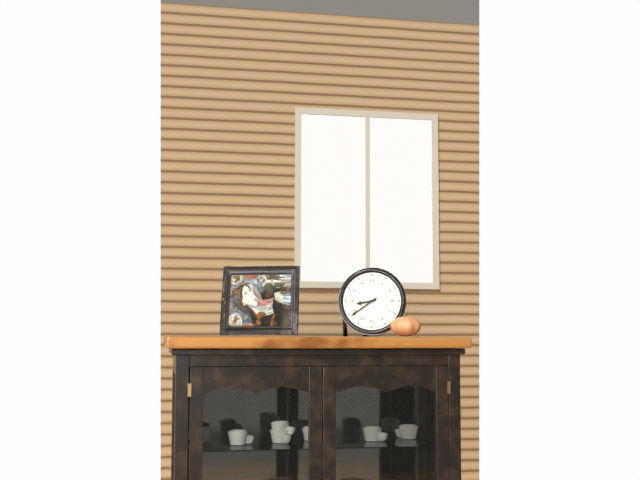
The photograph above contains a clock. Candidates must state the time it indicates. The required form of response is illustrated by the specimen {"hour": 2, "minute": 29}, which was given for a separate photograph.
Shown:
{"hour": 8, "minute": 39}
